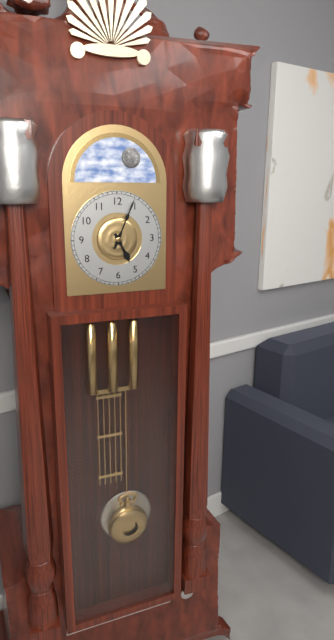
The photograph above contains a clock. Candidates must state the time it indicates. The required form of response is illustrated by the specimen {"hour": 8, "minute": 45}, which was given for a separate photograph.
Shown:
{"hour": 5, "minute": 4}
